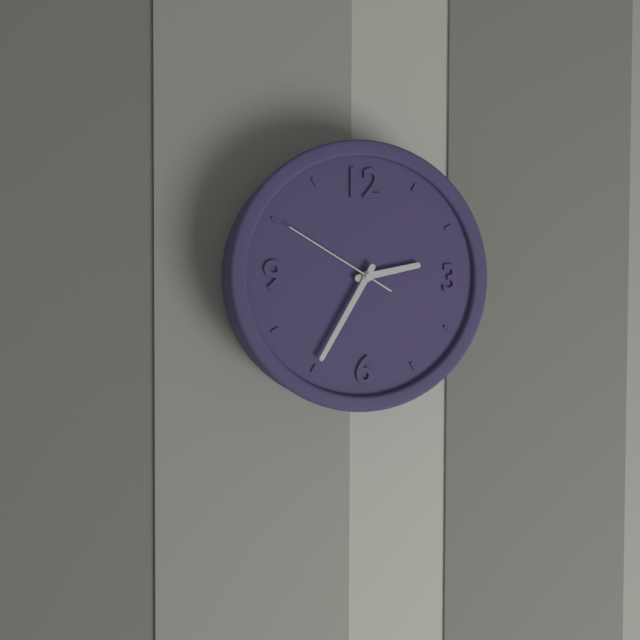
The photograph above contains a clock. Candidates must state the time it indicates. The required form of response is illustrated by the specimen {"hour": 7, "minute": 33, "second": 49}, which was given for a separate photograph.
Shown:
{"hour": 2, "minute": 35, "second": 50}
